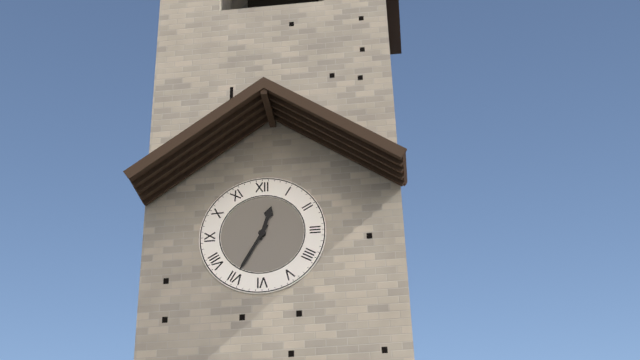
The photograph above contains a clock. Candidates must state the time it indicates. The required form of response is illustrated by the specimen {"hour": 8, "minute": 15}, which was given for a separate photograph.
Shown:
{"hour": 12, "minute": 35}
